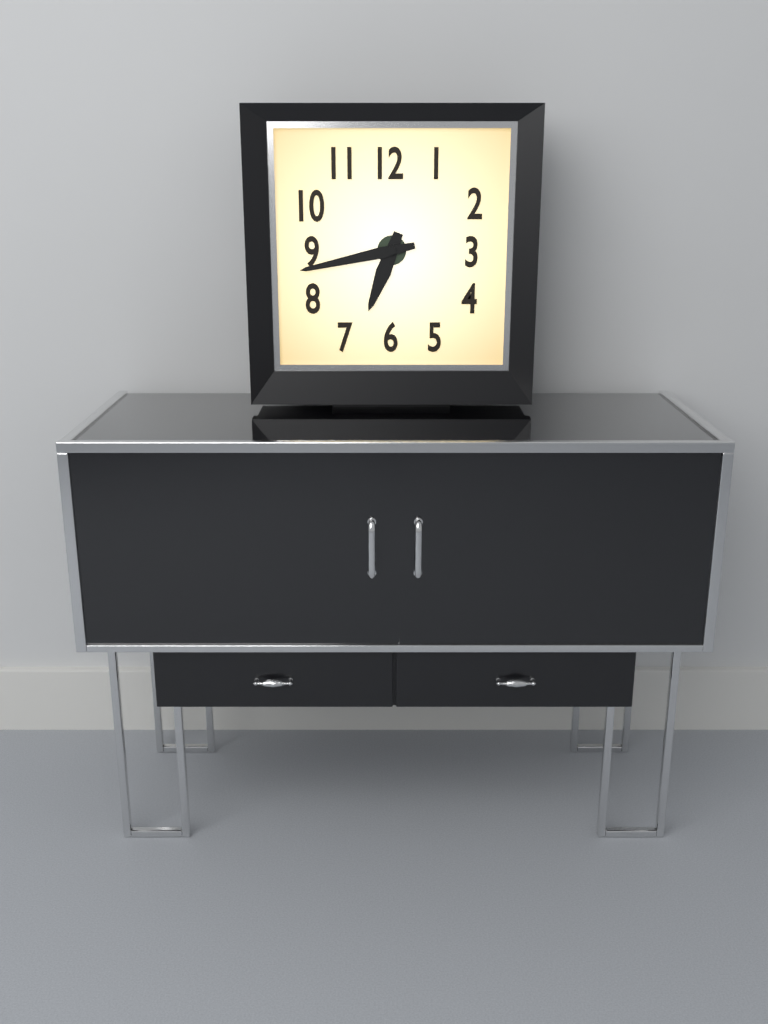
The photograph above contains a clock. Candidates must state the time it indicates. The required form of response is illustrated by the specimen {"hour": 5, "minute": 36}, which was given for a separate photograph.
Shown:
{"hour": 6, "minute": 43}
